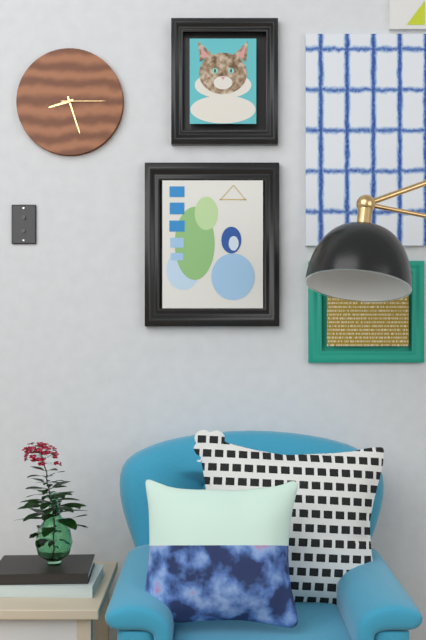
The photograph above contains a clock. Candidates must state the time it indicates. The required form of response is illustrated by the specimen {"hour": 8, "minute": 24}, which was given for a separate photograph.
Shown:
{"hour": 8, "minute": 27}
